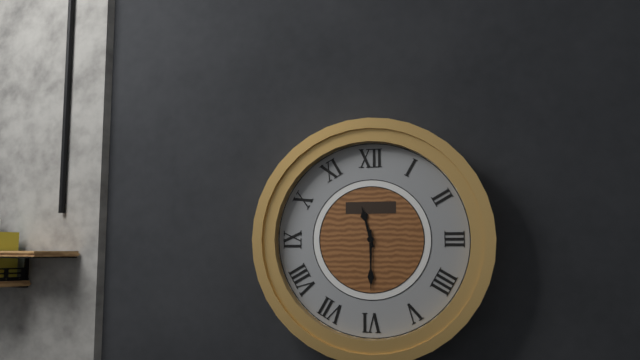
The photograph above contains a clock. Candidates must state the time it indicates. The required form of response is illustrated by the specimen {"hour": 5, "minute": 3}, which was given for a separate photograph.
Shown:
{"hour": 11, "minute": 30}
